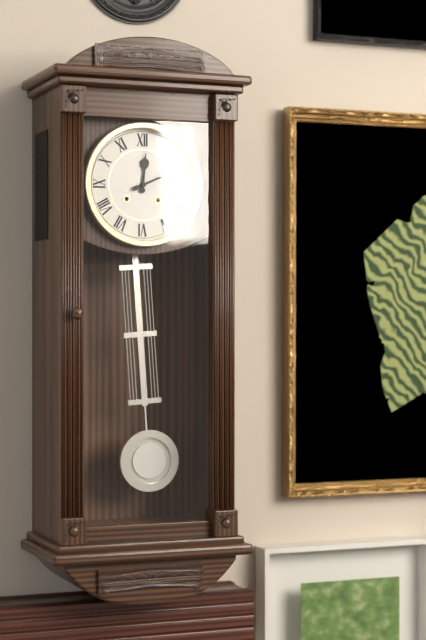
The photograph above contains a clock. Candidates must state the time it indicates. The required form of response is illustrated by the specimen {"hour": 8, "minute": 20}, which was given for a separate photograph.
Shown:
{"hour": 12, "minute": 11}
